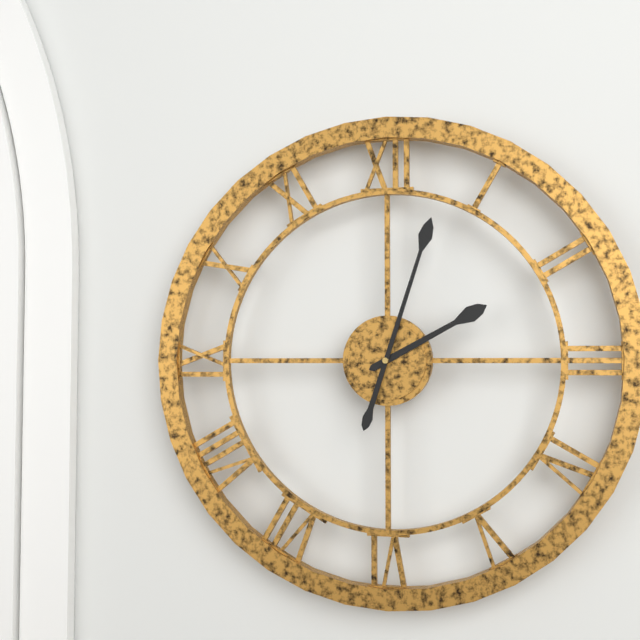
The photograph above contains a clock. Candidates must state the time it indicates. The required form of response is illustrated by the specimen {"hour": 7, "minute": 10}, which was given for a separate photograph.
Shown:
{"hour": 2, "minute": 3}
